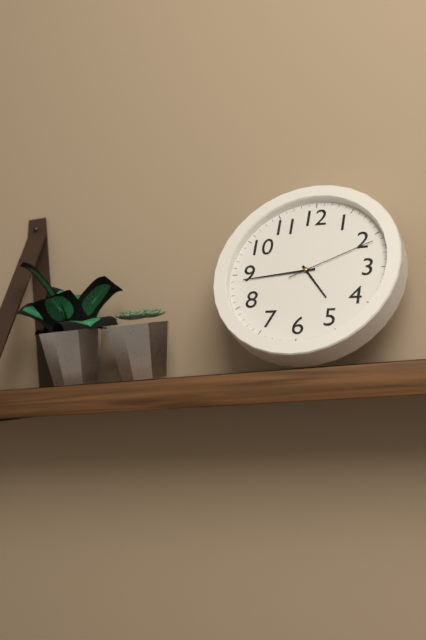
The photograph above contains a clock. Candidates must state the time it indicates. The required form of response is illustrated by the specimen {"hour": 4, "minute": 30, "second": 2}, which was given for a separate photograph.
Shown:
{"hour": 4, "minute": 44, "second": 11}
